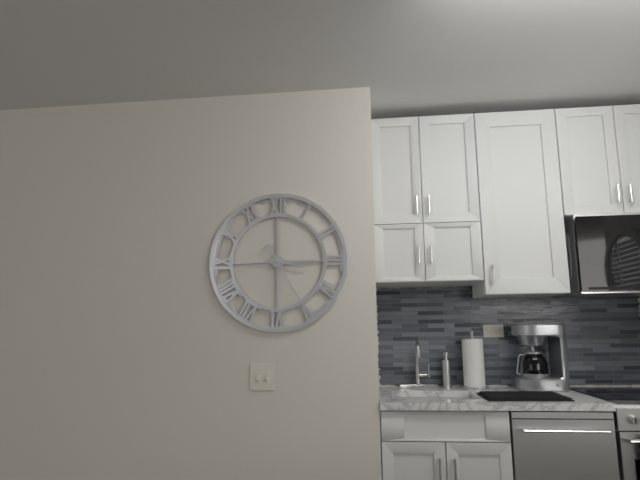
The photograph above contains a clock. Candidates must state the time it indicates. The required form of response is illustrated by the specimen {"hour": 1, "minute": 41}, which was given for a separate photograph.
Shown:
{"hour": 3, "minute": 25}
